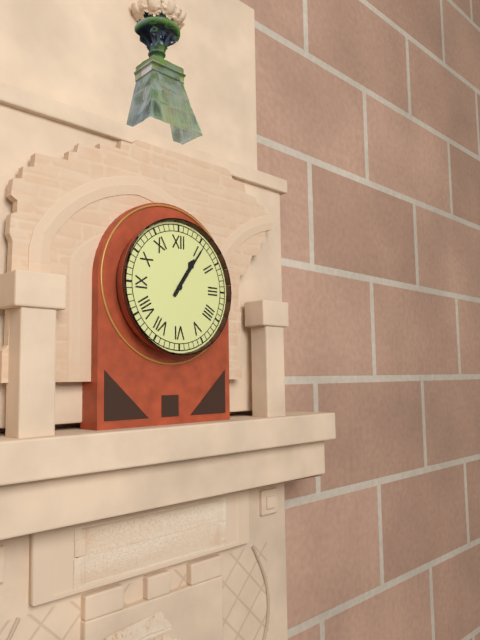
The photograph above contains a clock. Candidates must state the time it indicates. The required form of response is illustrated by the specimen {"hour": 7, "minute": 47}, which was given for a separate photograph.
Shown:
{"hour": 1, "minute": 6}
